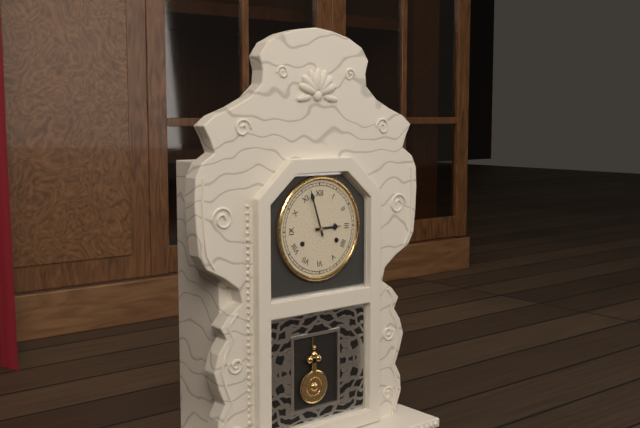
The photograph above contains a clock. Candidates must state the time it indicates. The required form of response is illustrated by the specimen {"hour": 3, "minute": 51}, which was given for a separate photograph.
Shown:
{"hour": 2, "minute": 57}
